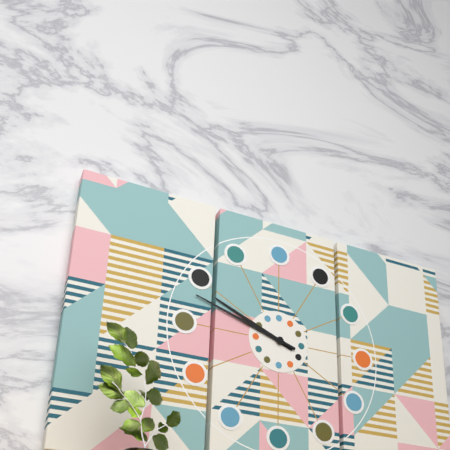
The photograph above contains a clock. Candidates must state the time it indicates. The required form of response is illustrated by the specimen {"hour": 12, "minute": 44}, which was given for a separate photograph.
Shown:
{"hour": 9, "minute": 48}
